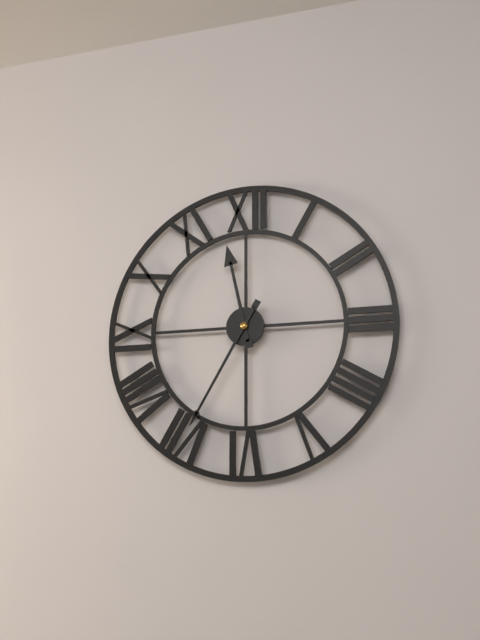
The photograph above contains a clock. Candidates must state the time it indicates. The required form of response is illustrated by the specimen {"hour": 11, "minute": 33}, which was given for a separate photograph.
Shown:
{"hour": 11, "minute": 35}
